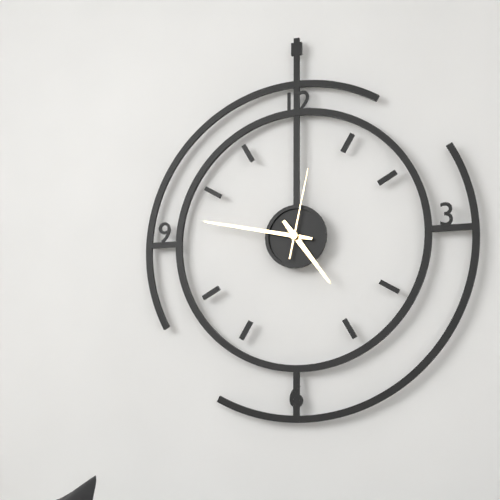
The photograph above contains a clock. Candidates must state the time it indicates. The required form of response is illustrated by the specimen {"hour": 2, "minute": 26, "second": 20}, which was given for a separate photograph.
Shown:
{"hour": 4, "minute": 47, "second": 2}
